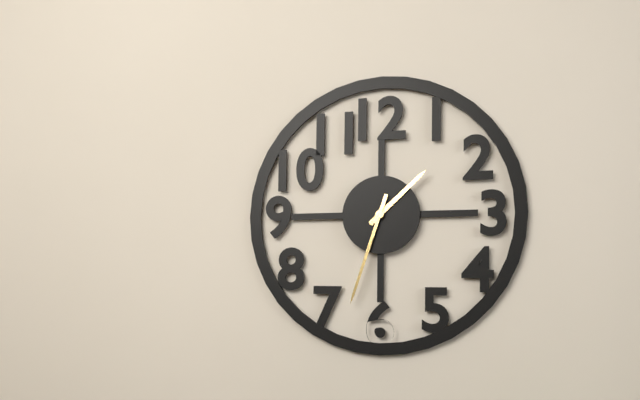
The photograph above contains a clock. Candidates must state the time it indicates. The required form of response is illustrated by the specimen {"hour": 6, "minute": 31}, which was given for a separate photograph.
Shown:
{"hour": 1, "minute": 33}
